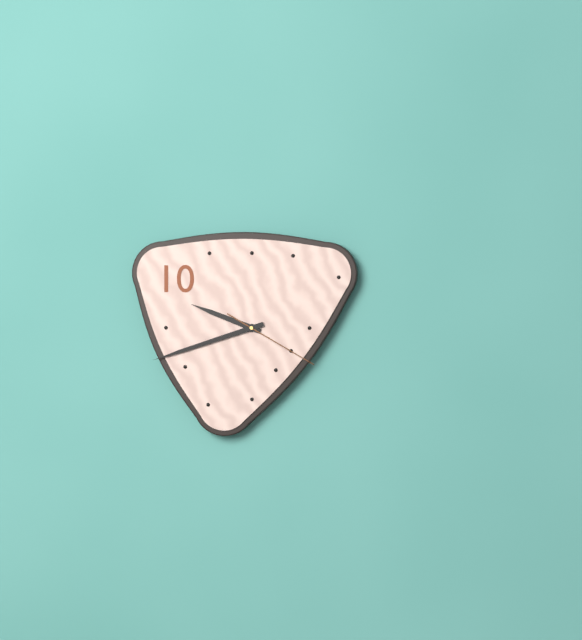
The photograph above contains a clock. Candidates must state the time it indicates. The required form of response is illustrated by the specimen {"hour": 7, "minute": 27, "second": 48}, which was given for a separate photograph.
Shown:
{"hour": 9, "minute": 42, "second": 20}
